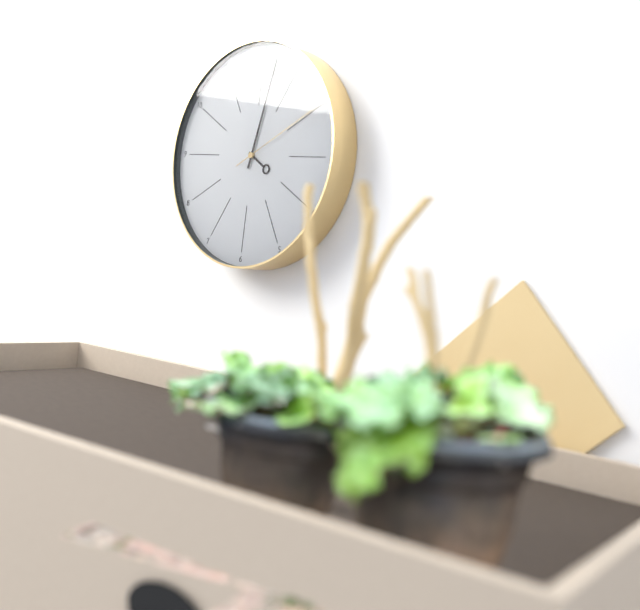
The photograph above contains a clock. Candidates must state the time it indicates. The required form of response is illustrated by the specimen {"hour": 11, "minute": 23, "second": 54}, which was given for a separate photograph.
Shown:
{"hour": 4, "minute": 2, "second": 10}
